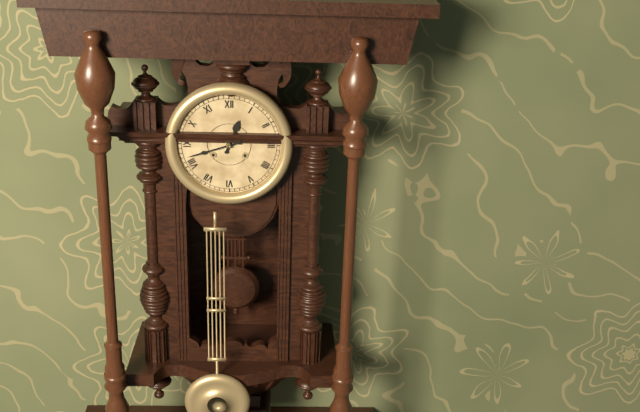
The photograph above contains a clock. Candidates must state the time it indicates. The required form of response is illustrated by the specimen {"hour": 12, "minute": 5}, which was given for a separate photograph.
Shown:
{"hour": 12, "minute": 42}
